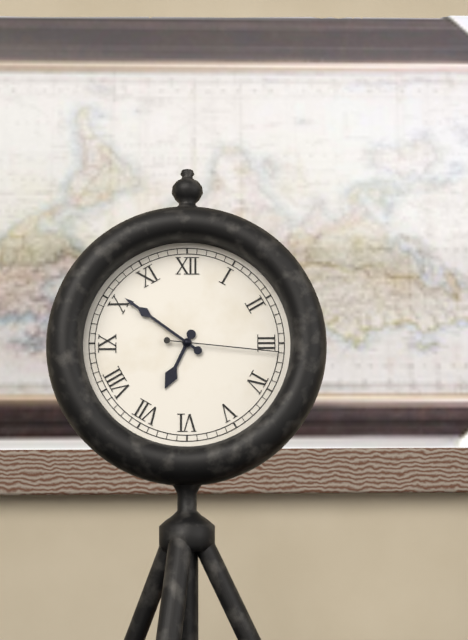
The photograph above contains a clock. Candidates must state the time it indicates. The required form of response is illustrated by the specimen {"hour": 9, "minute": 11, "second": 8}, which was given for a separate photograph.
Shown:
{"hour": 6, "minute": 51, "second": 16}
